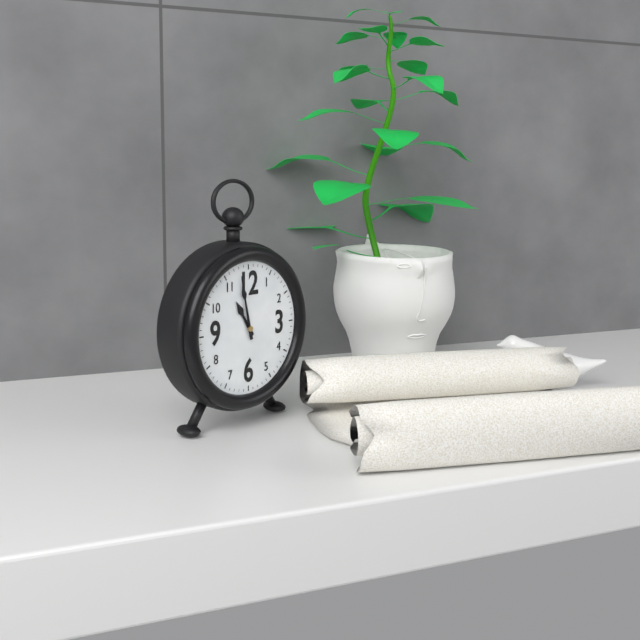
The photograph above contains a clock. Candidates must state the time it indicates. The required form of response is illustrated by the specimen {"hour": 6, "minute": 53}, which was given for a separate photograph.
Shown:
{"hour": 10, "minute": 58}
